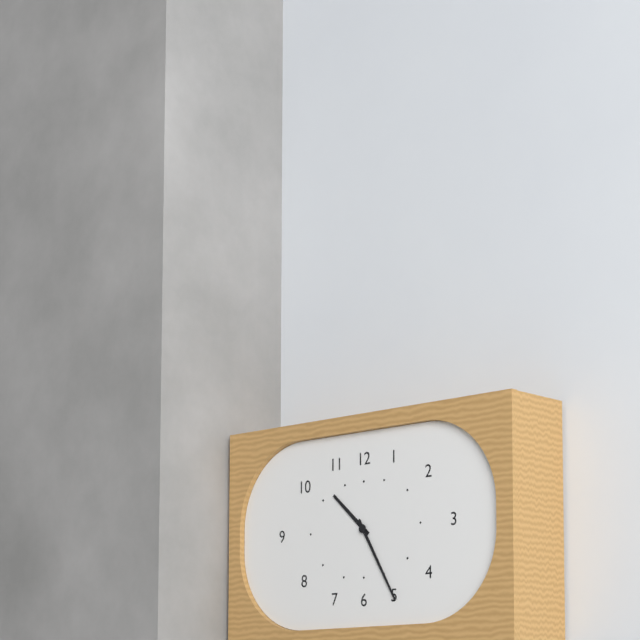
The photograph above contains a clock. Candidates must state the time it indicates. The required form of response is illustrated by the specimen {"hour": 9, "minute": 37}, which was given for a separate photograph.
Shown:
{"hour": 10, "minute": 25}
